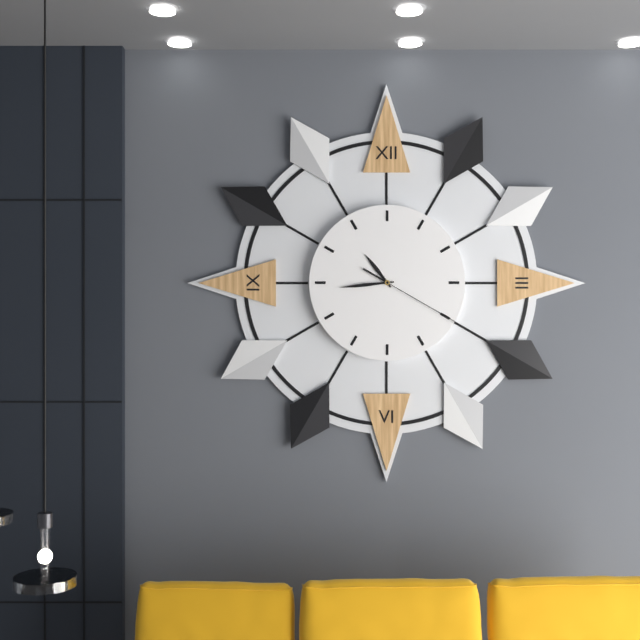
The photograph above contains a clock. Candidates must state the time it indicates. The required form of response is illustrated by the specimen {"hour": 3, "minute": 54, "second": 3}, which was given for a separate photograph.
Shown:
{"hour": 10, "minute": 44, "second": 20}
